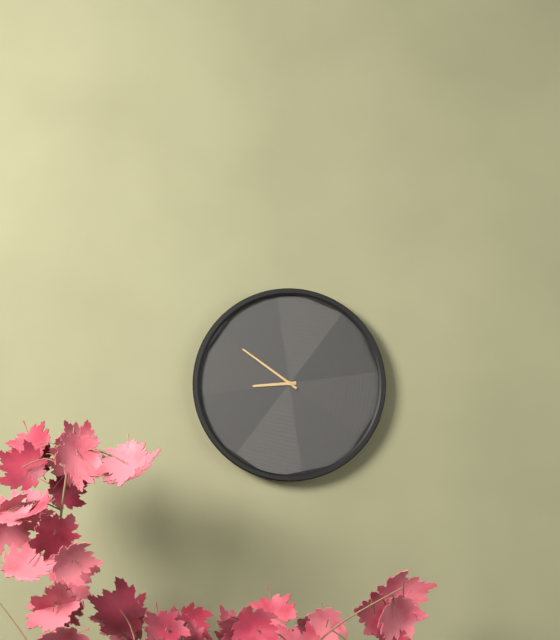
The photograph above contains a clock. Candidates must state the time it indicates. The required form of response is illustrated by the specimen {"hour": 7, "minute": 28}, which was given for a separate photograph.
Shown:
{"hour": 8, "minute": 51}
